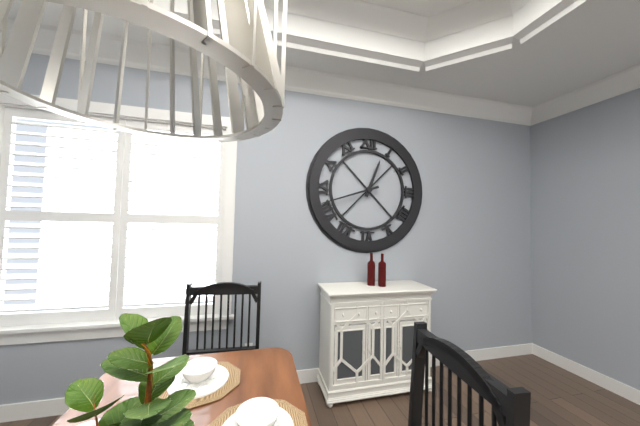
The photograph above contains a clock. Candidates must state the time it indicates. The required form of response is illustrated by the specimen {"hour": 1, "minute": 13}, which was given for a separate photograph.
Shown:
{"hour": 12, "minute": 42}
